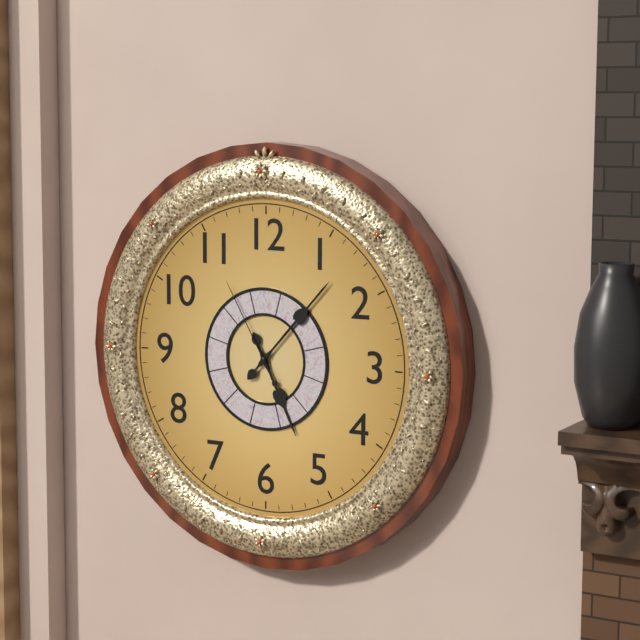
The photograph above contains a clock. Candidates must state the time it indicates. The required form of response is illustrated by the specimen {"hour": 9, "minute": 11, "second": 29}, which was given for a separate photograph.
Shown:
{"hour": 5, "minute": 7, "second": 55}
